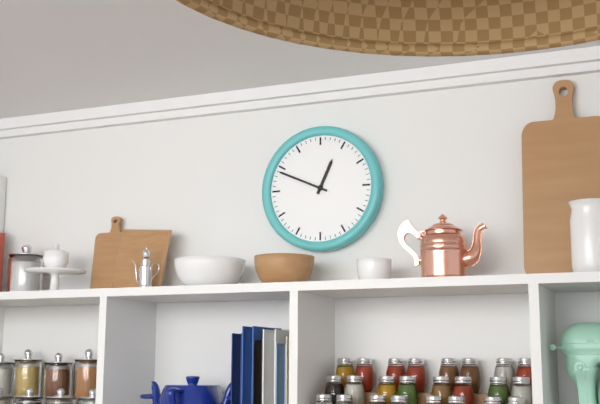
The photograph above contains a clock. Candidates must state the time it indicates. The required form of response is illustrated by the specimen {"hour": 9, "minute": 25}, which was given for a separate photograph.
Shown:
{"hour": 12, "minute": 49}
